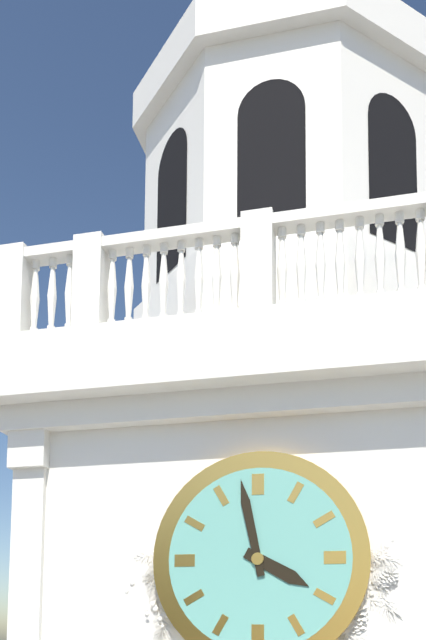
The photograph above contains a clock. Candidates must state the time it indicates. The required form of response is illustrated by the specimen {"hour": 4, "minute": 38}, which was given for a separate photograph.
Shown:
{"hour": 3, "minute": 58}
